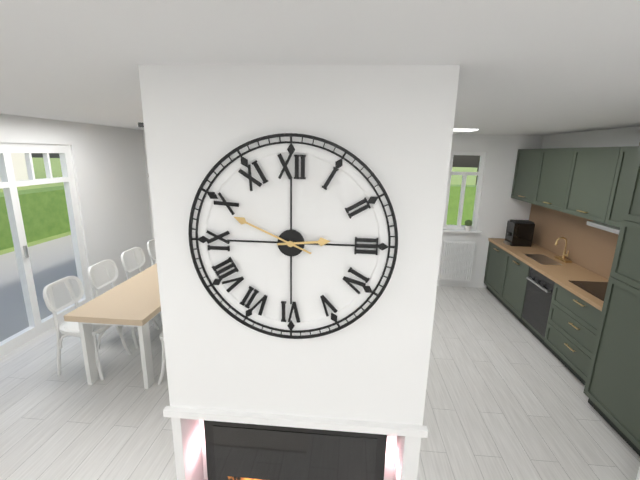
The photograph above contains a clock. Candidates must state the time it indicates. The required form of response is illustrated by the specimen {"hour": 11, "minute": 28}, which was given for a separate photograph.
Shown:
{"hour": 2, "minute": 49}
